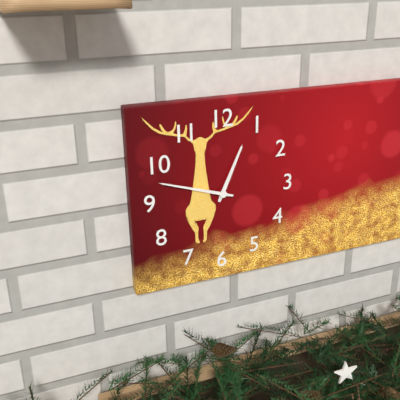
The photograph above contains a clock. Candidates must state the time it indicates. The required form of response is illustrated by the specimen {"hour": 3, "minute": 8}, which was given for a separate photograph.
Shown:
{"hour": 12, "minute": 48}
